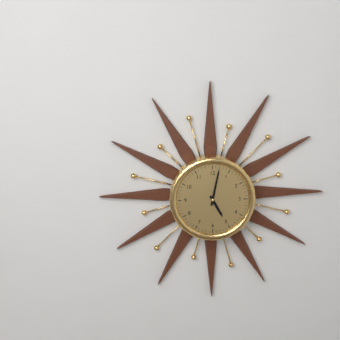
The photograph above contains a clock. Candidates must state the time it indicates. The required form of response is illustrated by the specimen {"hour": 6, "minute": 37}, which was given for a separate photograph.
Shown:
{"hour": 5, "minute": 2}
